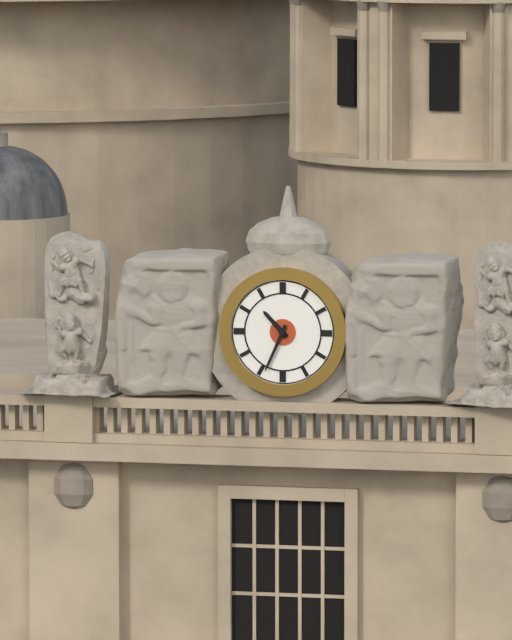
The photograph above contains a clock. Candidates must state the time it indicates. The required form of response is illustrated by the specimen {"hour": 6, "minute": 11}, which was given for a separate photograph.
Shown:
{"hour": 10, "minute": 34}
